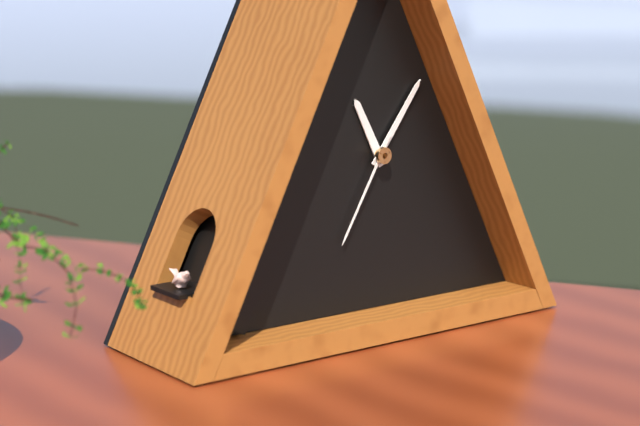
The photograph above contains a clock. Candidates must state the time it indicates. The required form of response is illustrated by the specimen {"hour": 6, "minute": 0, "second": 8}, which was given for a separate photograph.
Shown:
{"hour": 11, "minute": 6, "second": 35}
